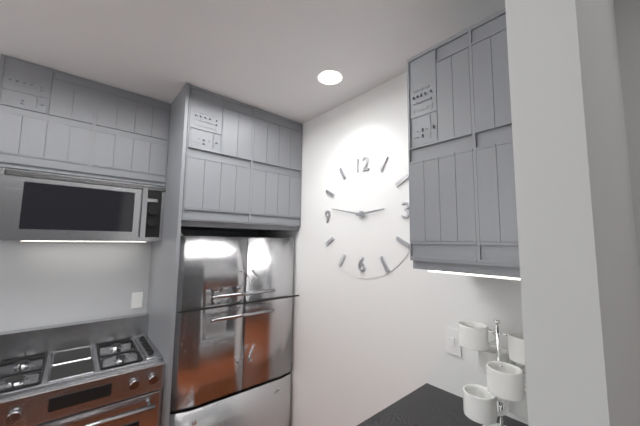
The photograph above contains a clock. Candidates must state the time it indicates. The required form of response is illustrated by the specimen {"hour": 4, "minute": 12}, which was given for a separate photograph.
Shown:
{"hour": 2, "minute": 47}
